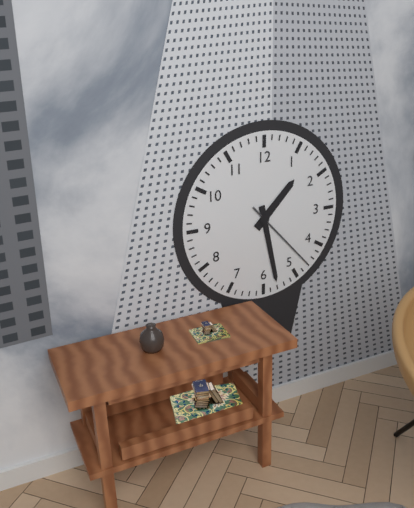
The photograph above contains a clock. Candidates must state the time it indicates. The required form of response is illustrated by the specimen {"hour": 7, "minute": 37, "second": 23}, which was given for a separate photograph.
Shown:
{"hour": 1, "minute": 28, "second": 23}
